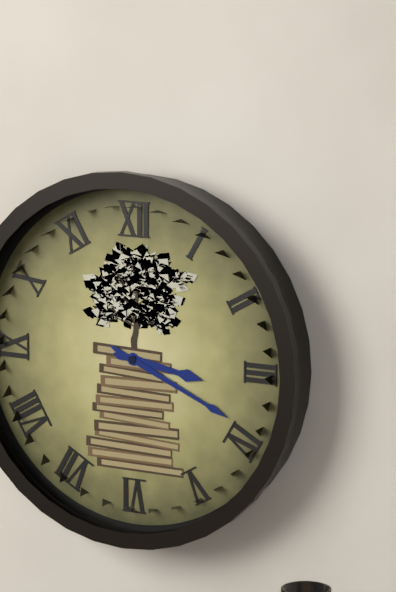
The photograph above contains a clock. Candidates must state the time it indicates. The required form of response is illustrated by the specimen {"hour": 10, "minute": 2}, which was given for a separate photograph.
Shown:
{"hour": 3, "minute": 19}
